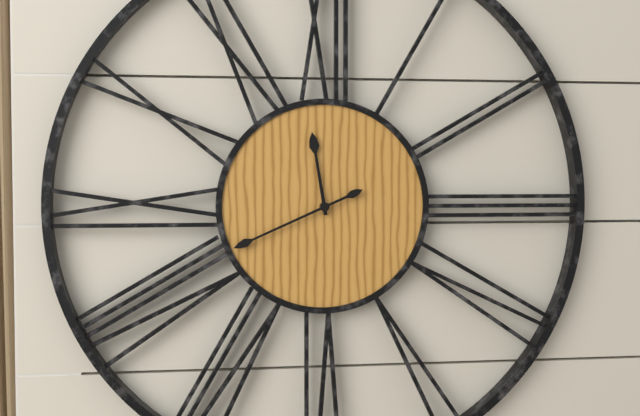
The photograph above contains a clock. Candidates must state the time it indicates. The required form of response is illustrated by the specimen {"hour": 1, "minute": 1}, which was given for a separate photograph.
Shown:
{"hour": 11, "minute": 41}
